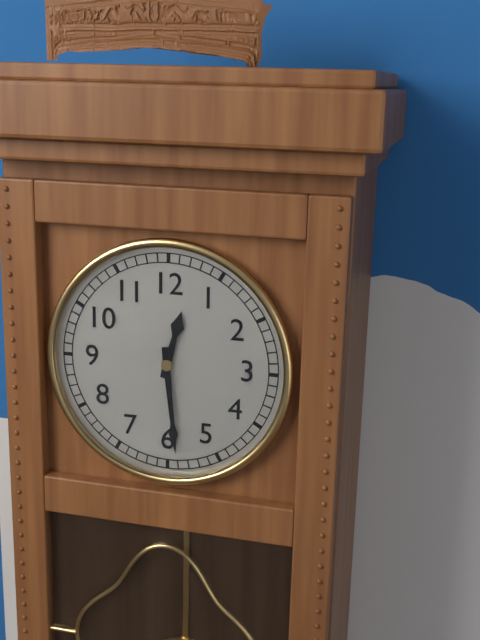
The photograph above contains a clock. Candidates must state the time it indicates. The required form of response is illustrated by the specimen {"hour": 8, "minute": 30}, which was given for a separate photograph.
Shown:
{"hour": 12, "minute": 29}
